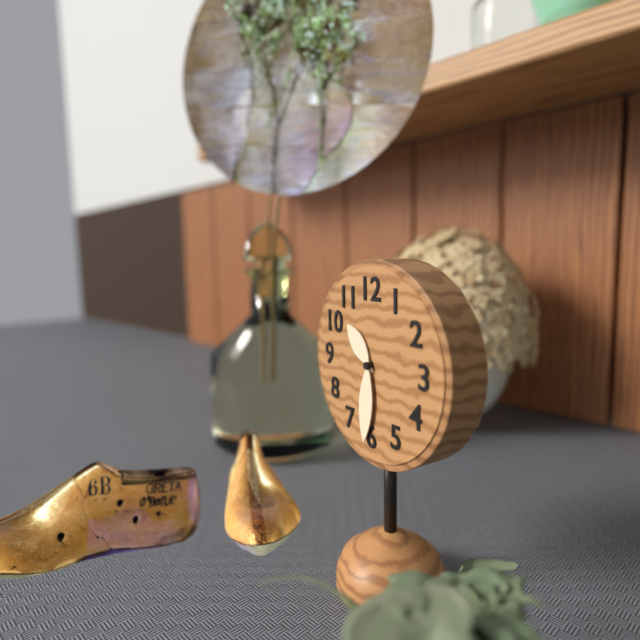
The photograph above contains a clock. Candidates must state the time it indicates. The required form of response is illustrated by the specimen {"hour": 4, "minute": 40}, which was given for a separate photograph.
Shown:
{"hour": 10, "minute": 31}
